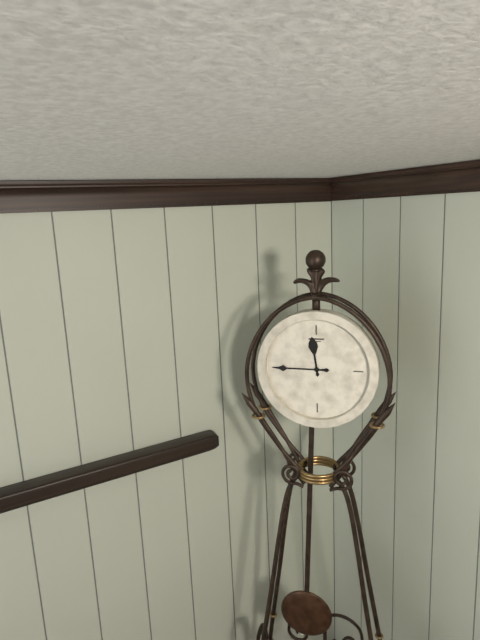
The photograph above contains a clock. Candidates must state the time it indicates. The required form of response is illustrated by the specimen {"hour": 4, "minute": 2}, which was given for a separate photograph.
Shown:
{"hour": 11, "minute": 45}
